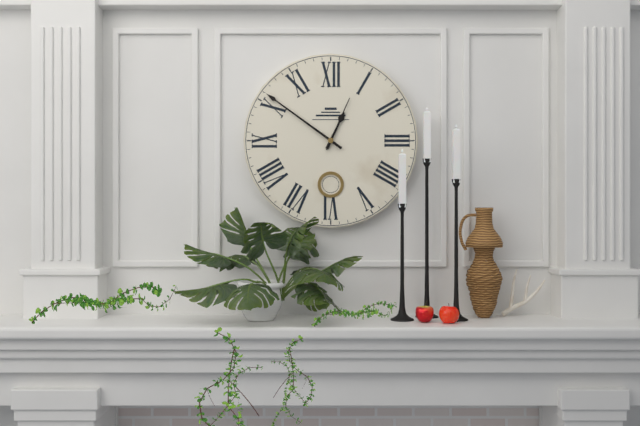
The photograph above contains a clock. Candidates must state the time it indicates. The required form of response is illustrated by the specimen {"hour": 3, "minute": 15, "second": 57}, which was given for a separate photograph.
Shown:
{"hour": 12, "minute": 51, "second": 4}
